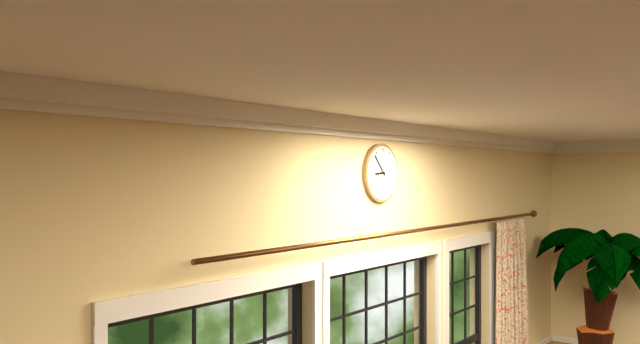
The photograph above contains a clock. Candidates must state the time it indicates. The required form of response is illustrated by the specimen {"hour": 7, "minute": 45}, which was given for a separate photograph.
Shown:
{"hour": 8, "minute": 53}
